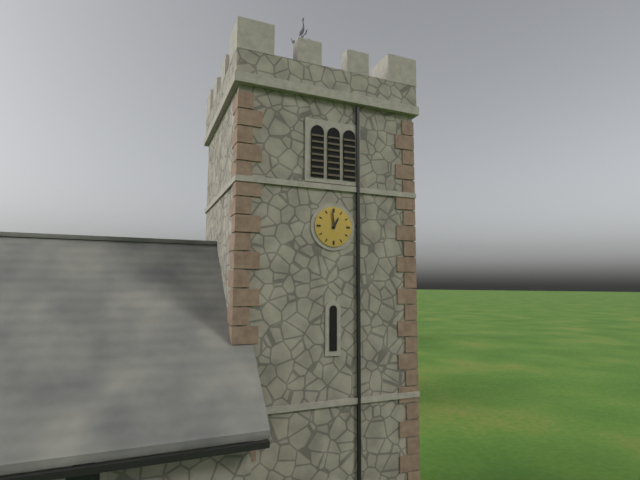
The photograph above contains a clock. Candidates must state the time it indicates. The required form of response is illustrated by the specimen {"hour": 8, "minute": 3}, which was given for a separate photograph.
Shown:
{"hour": 12, "minute": 59}
